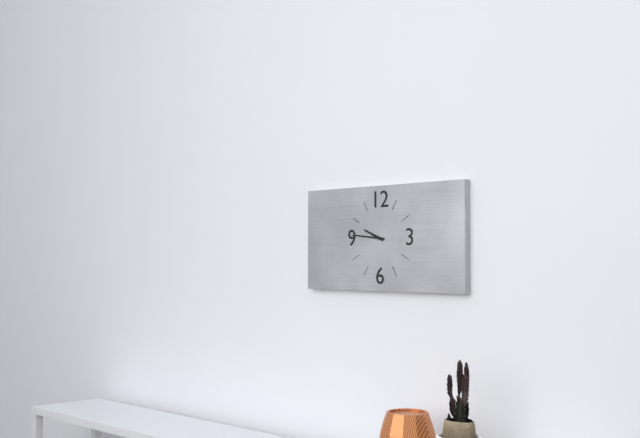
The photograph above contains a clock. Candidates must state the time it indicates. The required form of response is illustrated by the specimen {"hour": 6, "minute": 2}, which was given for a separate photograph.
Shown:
{"hour": 9, "minute": 46}
